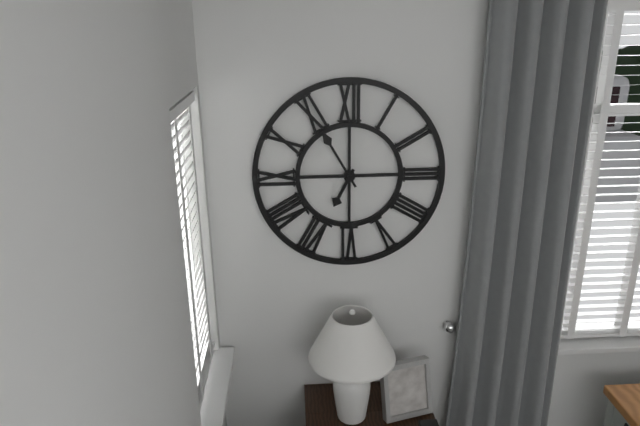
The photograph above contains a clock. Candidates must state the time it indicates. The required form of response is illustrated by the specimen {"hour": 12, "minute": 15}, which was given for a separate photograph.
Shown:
{"hour": 6, "minute": 55}
